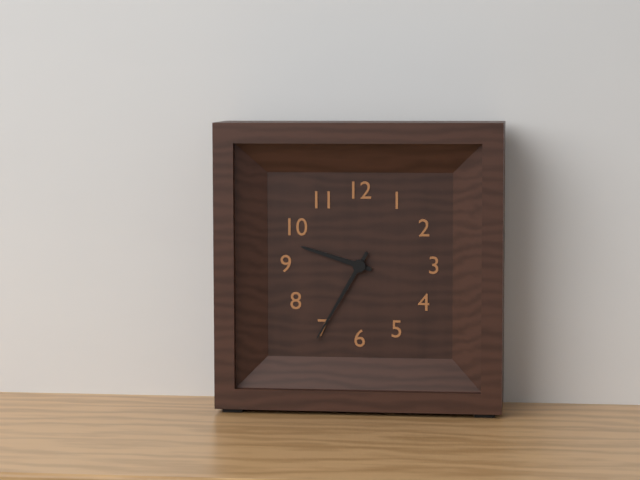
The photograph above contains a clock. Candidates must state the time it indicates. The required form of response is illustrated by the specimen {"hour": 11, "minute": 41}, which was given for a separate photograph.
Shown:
{"hour": 9, "minute": 35}
